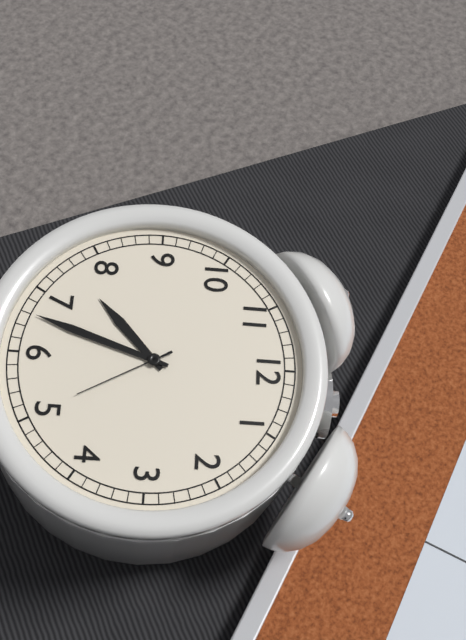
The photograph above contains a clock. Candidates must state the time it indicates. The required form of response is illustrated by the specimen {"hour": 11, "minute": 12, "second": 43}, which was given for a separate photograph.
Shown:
{"hour": 7, "minute": 33, "second": 25}
